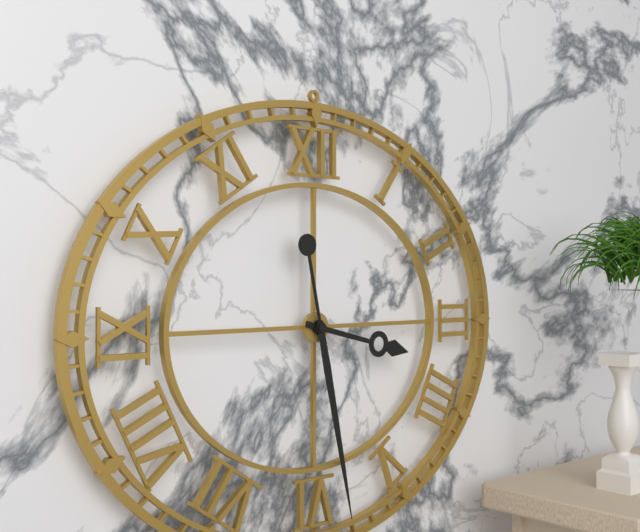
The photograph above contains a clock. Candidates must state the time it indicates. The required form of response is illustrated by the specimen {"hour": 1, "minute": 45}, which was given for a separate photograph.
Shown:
{"hour": 3, "minute": 28}
